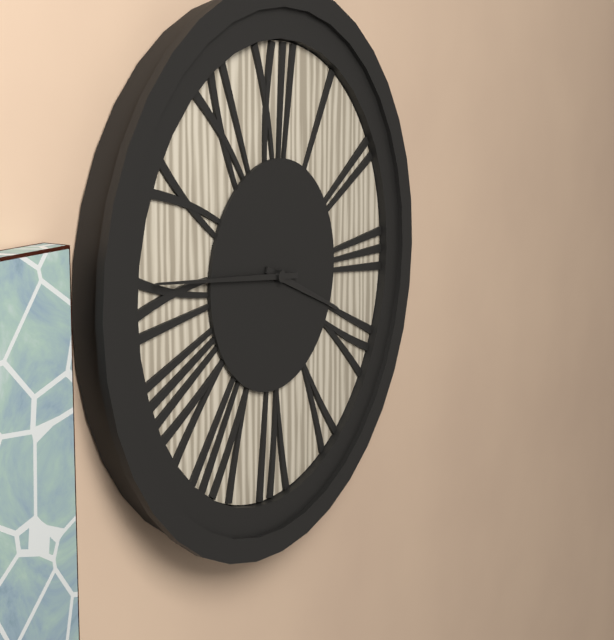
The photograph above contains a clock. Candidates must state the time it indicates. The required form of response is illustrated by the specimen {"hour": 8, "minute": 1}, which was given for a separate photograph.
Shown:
{"hour": 3, "minute": 46}
